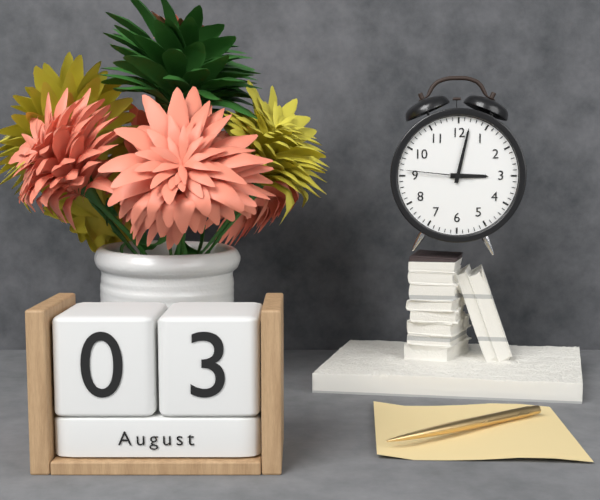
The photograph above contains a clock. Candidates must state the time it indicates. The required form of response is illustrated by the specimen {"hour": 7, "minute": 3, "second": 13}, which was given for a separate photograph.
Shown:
{"hour": 3, "minute": 2, "second": 46}
